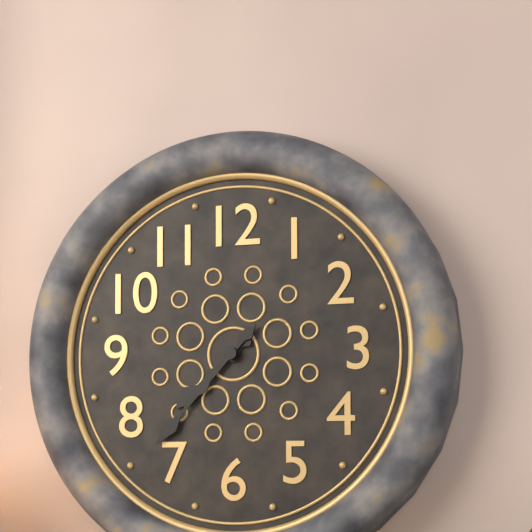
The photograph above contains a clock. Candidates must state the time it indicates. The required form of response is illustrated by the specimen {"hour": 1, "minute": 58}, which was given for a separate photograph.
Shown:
{"hour": 7, "minute": 37}
